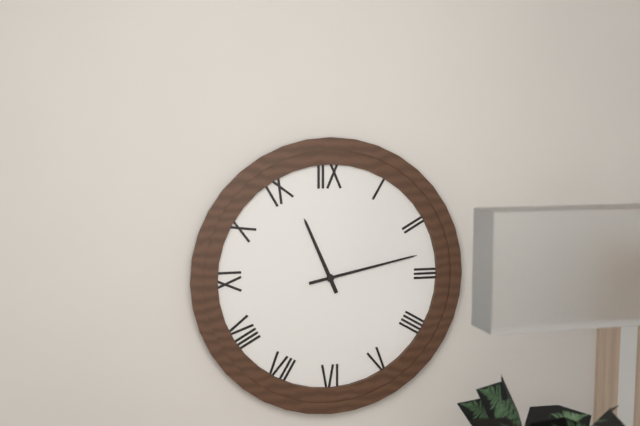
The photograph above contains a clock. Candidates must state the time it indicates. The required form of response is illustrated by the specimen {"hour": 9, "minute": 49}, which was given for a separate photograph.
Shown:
{"hour": 11, "minute": 13}
